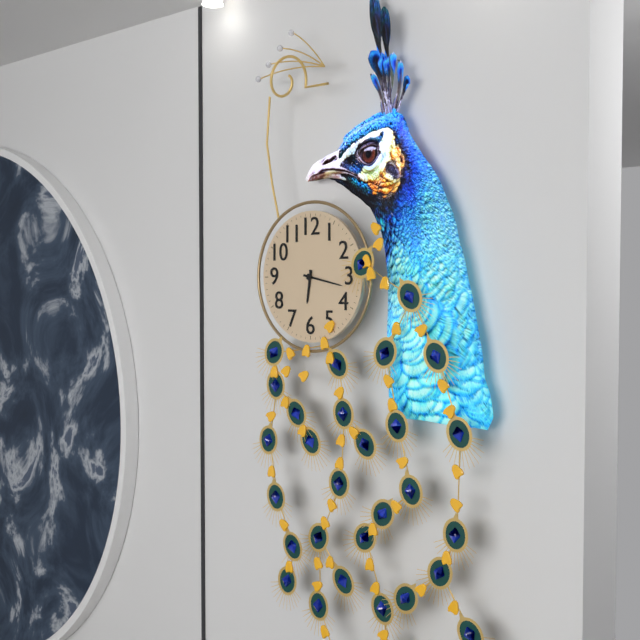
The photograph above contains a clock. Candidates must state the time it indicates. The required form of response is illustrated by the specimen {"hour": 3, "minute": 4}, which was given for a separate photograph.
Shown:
{"hour": 6, "minute": 17}
